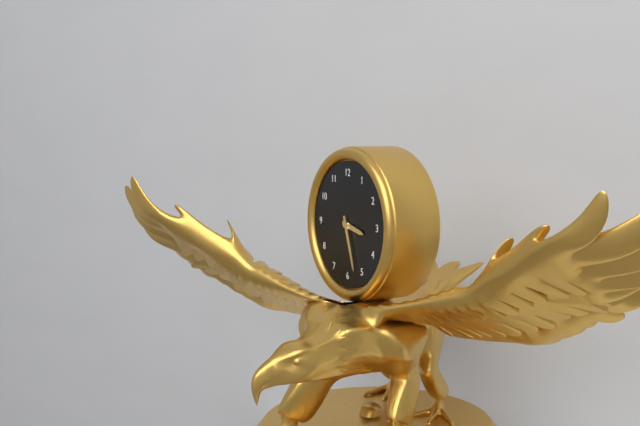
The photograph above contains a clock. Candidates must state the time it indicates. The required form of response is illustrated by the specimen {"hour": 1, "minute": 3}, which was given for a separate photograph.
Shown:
{"hour": 3, "minute": 27}
